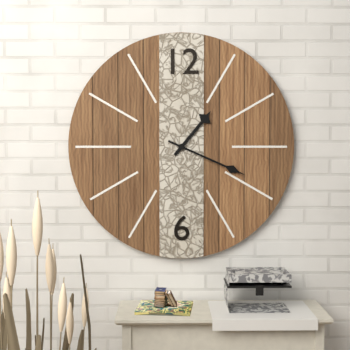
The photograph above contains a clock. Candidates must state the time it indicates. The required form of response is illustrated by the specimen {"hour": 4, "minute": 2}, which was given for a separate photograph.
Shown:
{"hour": 1, "minute": 19}
